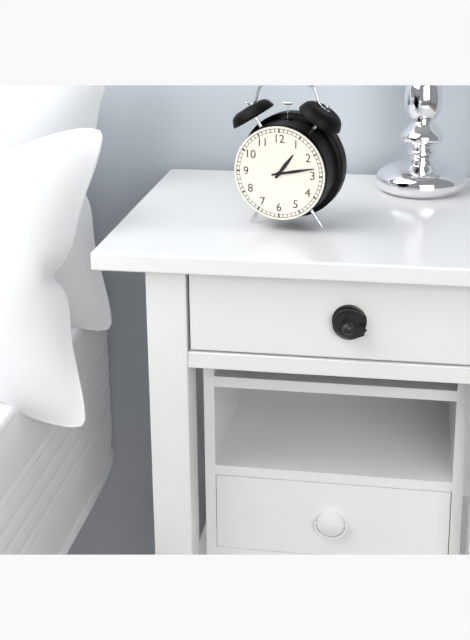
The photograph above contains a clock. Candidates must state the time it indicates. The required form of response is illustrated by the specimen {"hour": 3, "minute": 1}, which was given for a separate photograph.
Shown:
{"hour": 1, "minute": 13}
